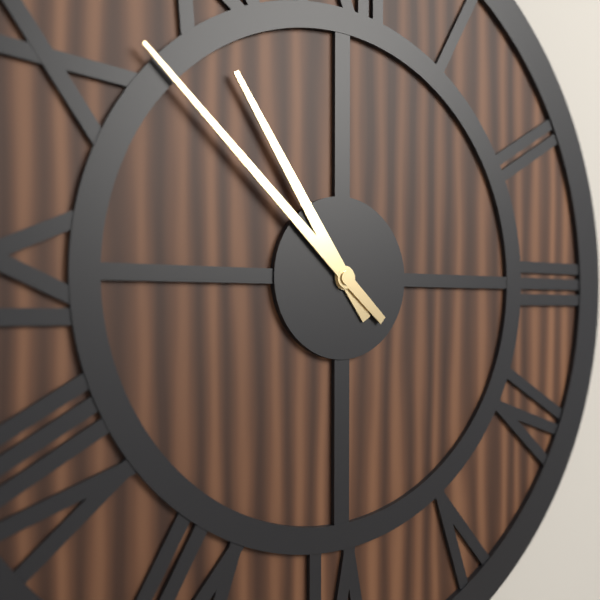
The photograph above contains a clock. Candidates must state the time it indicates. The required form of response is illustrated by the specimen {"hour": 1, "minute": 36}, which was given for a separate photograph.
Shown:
{"hour": 10, "minute": 52}
